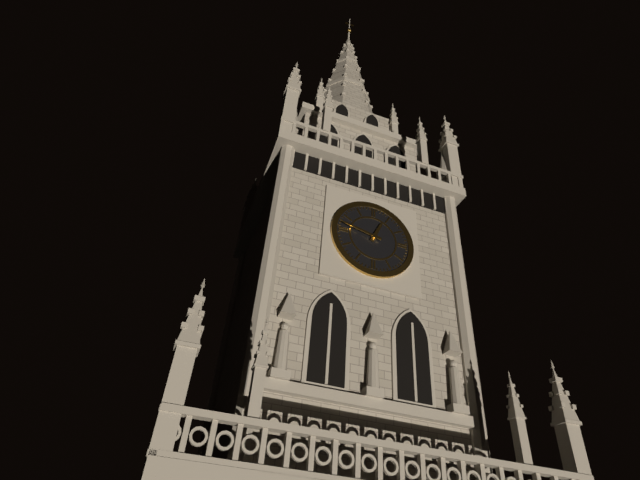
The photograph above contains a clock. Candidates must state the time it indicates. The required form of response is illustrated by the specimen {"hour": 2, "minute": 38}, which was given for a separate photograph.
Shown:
{"hour": 12, "minute": 47}
